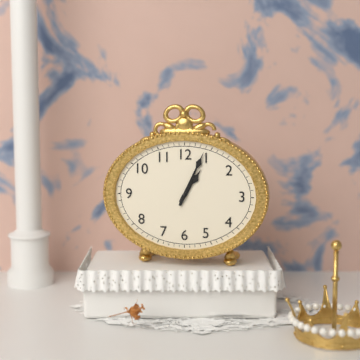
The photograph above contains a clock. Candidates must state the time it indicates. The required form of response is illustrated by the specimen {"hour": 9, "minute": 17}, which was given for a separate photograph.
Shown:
{"hour": 1, "minute": 4}
